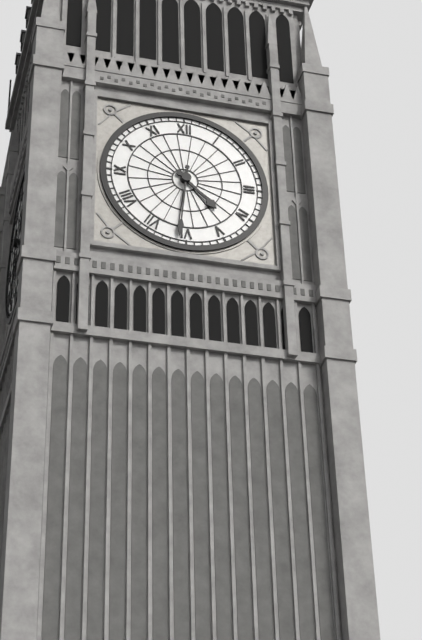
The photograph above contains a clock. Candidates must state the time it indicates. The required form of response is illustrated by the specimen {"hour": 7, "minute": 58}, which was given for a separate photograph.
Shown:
{"hour": 4, "minute": 31}
